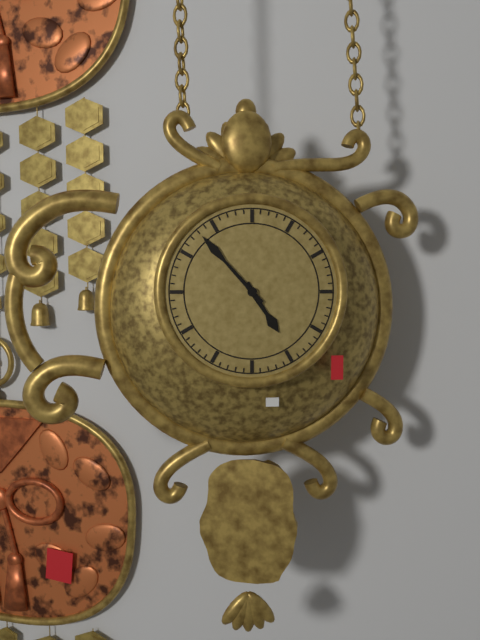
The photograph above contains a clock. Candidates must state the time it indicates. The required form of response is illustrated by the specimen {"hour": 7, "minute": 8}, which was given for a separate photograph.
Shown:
{"hour": 4, "minute": 53}
